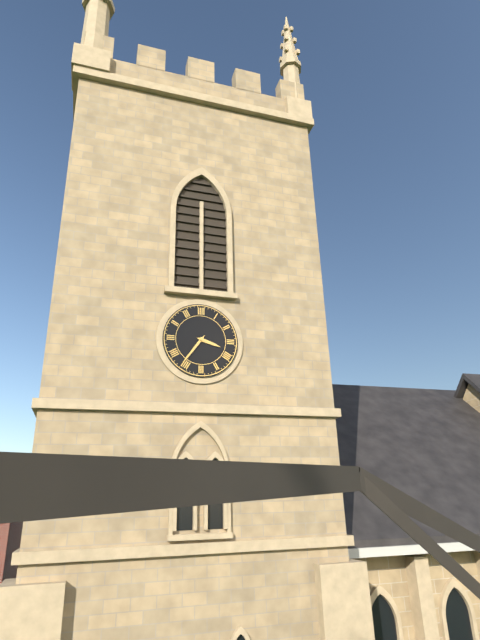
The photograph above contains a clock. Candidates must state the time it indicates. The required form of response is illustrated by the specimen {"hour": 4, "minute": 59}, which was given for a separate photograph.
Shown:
{"hour": 3, "minute": 36}
